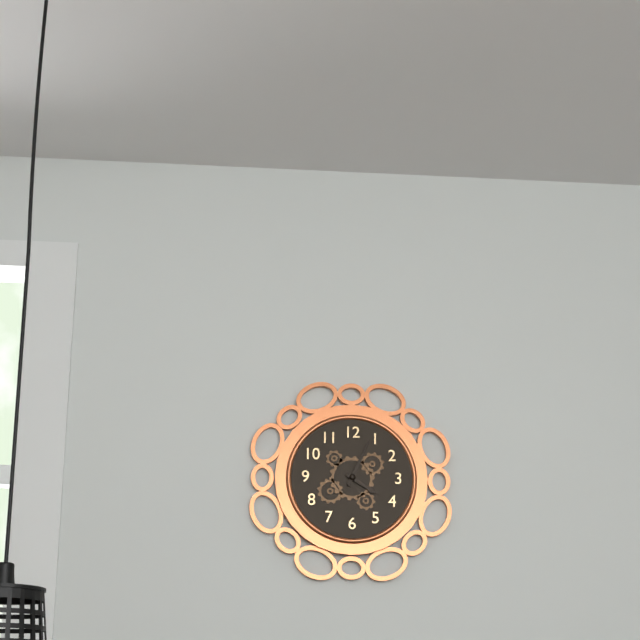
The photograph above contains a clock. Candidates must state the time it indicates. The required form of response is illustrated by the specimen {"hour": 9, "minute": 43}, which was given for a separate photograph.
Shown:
{"hour": 4, "minute": 4}
